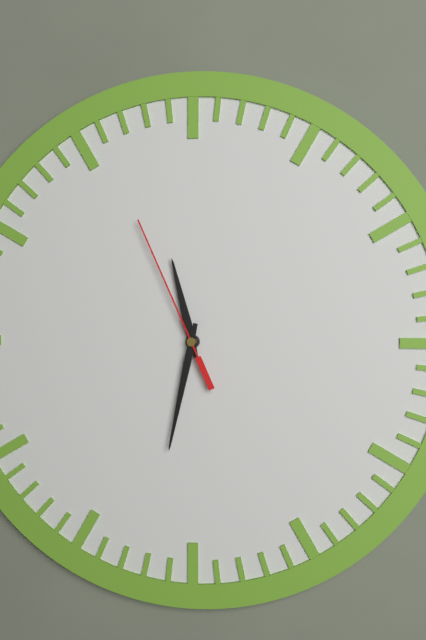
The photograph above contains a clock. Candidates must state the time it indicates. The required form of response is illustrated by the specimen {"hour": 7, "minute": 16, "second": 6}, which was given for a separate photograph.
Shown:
{"hour": 11, "minute": 32, "second": 56}
